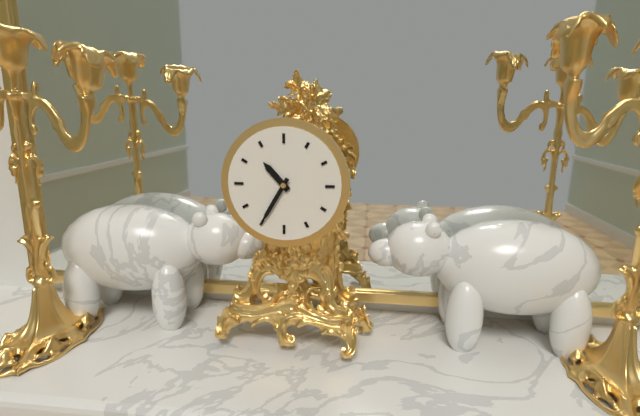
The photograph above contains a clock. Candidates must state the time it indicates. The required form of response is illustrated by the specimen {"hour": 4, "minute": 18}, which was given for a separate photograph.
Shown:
{"hour": 10, "minute": 35}
